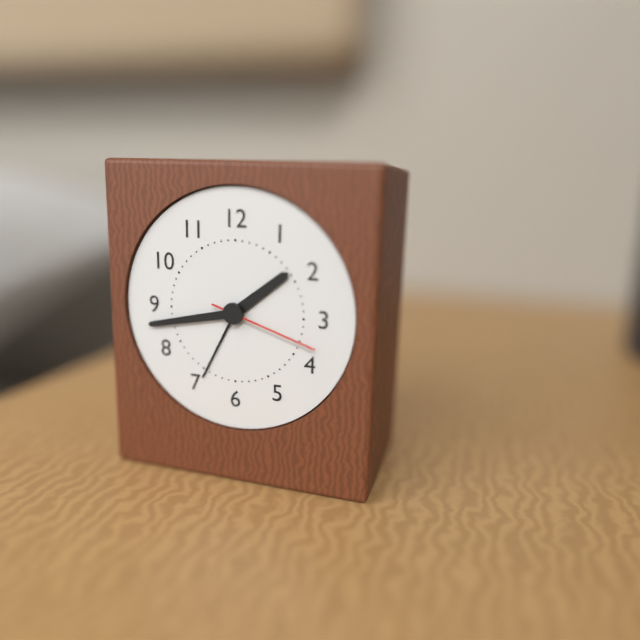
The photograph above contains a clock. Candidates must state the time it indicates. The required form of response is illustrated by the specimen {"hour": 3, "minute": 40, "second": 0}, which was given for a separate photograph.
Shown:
{"hour": 1, "minute": 43, "second": 18}
